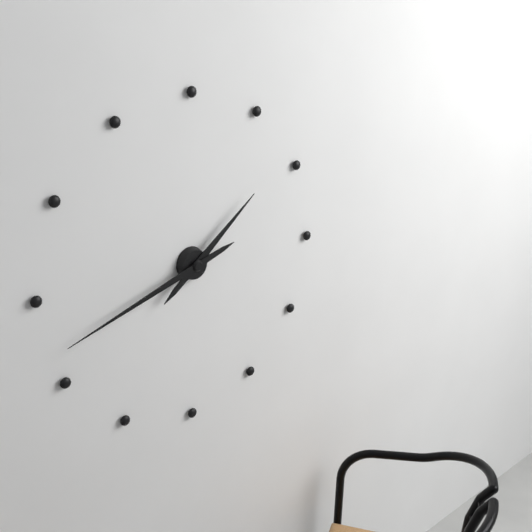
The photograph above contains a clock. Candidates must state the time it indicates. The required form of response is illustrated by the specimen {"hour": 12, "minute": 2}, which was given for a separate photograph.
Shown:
{"hour": 1, "minute": 42}
